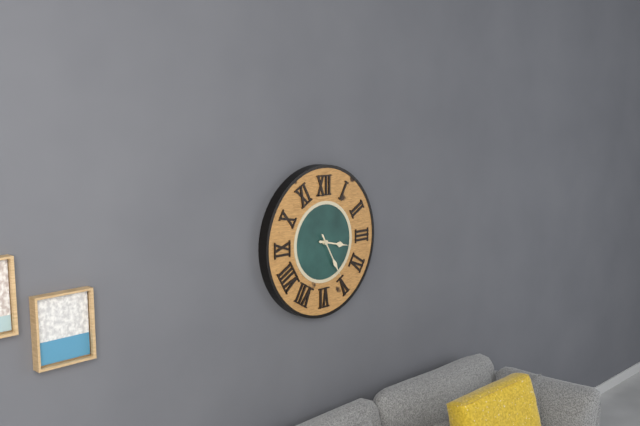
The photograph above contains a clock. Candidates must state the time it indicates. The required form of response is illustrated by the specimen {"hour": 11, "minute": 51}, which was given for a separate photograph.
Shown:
{"hour": 3, "minute": 25}
